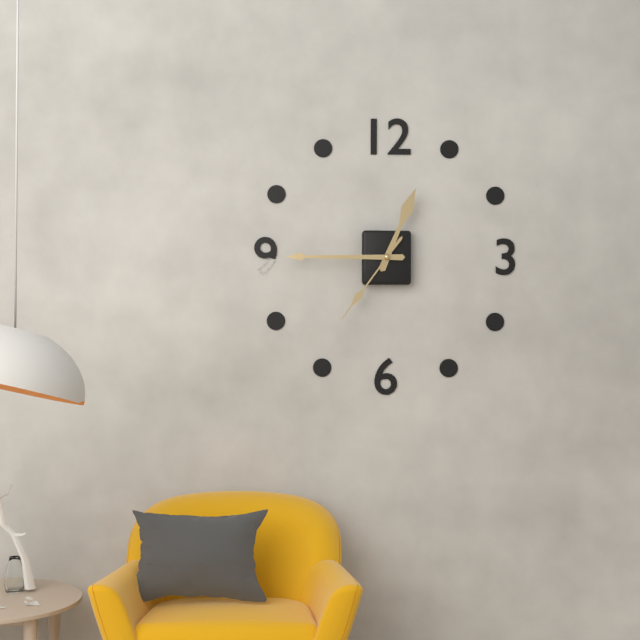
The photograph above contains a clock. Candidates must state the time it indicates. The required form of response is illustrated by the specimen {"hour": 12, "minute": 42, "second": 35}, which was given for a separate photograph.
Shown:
{"hour": 12, "minute": 45, "second": 36}
